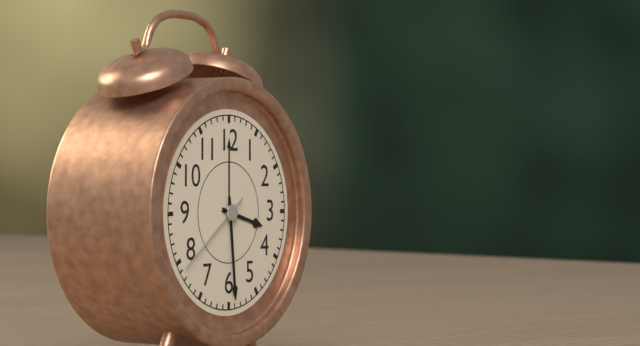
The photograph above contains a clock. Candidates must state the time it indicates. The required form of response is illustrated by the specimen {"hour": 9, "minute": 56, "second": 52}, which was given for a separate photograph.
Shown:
{"hour": 3, "minute": 29, "second": 39}
